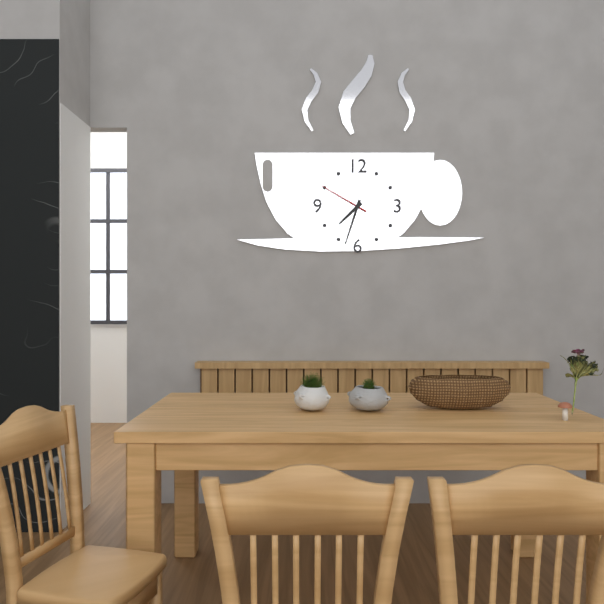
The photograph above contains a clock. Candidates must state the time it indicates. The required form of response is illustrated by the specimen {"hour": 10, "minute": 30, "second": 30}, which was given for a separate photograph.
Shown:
{"hour": 7, "minute": 33, "second": 50}
